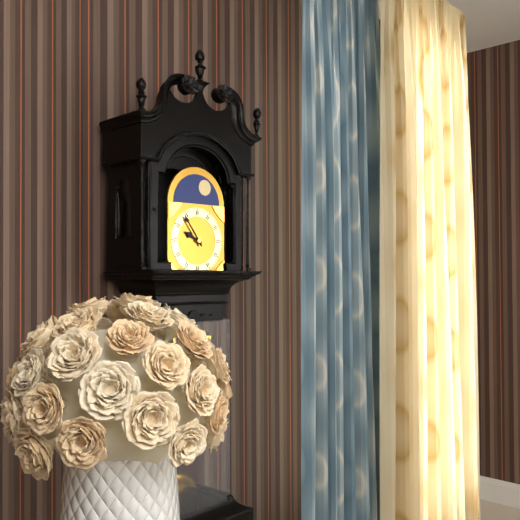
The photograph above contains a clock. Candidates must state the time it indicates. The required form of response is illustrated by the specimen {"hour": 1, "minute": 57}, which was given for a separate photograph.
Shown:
{"hour": 9, "minute": 54}
